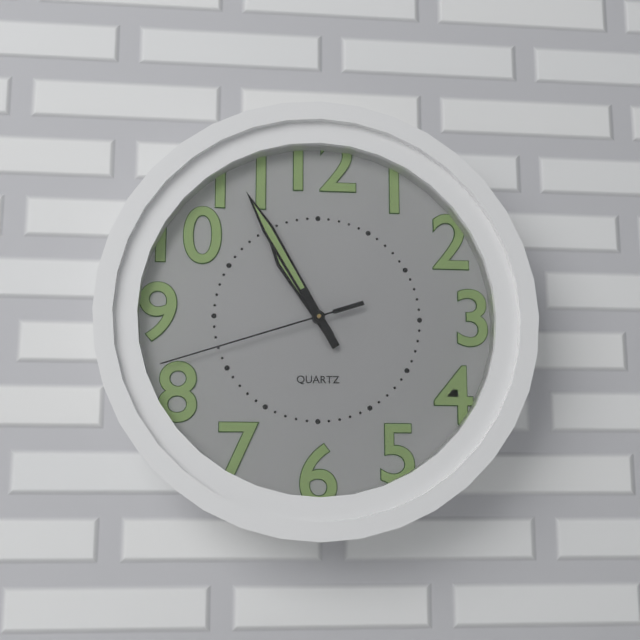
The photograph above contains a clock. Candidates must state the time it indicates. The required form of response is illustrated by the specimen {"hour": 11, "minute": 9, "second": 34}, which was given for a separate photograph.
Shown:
{"hour": 10, "minute": 55, "second": 42}
